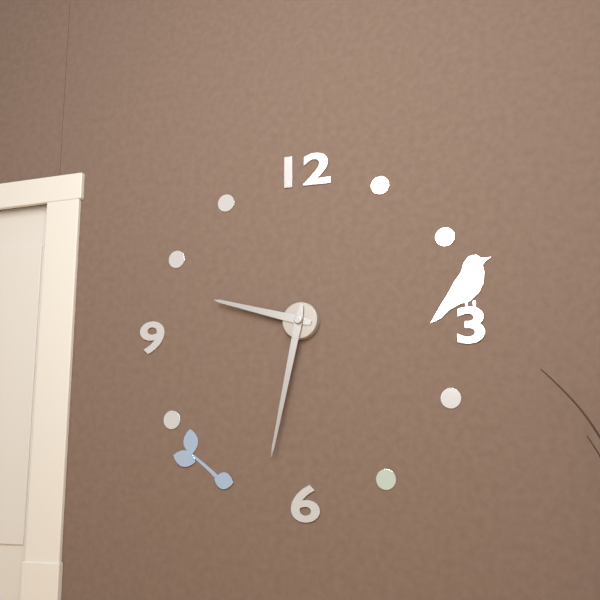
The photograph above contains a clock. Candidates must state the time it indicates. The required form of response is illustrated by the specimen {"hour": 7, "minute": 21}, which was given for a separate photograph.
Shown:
{"hour": 9, "minute": 32}
